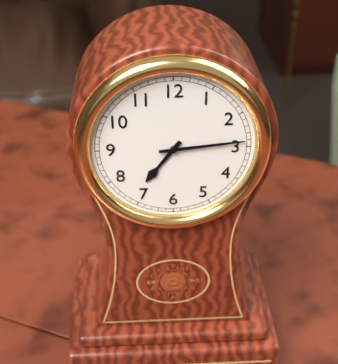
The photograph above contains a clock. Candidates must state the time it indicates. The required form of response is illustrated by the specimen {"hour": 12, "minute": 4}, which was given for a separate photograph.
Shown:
{"hour": 7, "minute": 14}
